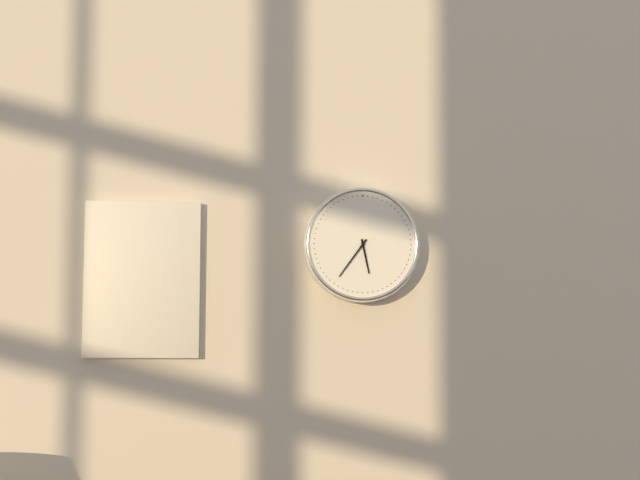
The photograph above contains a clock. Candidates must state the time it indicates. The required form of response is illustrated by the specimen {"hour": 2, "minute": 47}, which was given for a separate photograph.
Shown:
{"hour": 5, "minute": 36}
